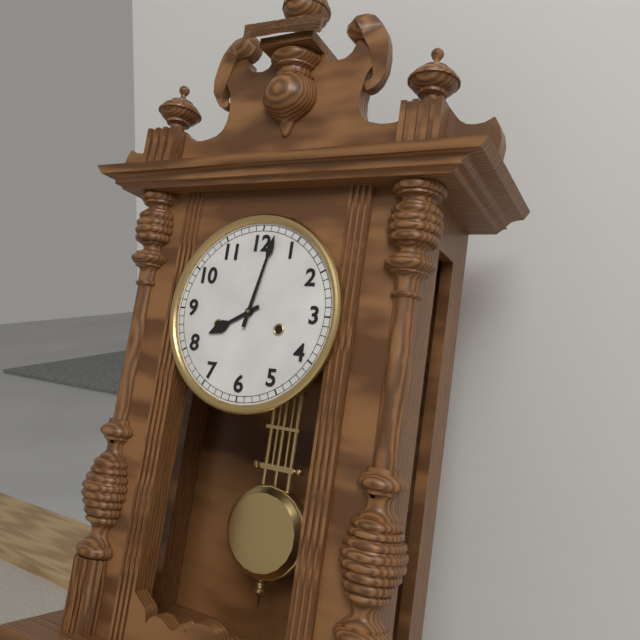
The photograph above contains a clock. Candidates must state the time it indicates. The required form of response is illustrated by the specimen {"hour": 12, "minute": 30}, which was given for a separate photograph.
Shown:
{"hour": 8, "minute": 2}
